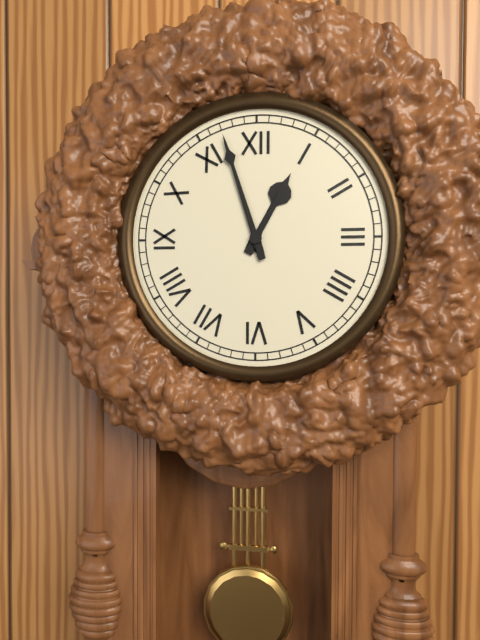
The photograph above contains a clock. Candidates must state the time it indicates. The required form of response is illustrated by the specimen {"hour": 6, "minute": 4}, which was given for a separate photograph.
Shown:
{"hour": 12, "minute": 57}
